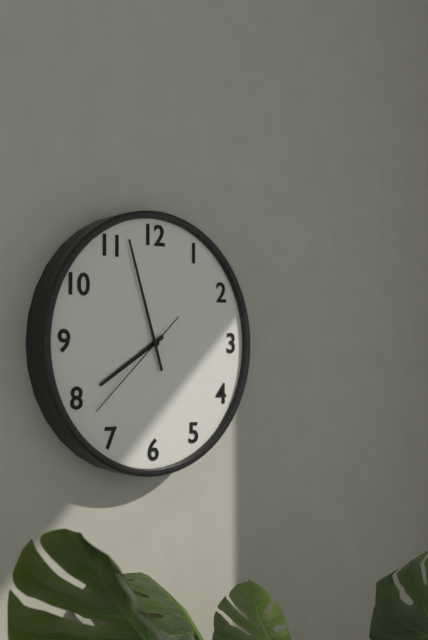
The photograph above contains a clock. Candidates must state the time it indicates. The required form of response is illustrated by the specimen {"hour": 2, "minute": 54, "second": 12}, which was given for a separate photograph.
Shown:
{"hour": 7, "minute": 57, "second": 38}
